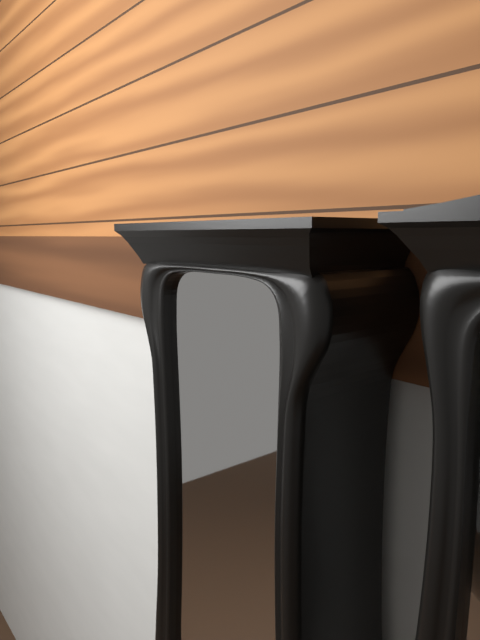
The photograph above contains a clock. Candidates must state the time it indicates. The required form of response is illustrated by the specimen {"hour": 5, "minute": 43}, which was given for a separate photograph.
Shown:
{"hour": 5, "minute": 9}
